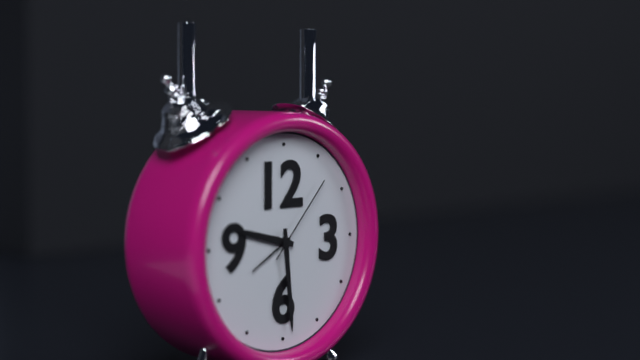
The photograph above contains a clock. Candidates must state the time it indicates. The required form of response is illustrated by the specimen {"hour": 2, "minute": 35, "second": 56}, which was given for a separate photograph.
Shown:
{"hour": 9, "minute": 29, "second": 7}
